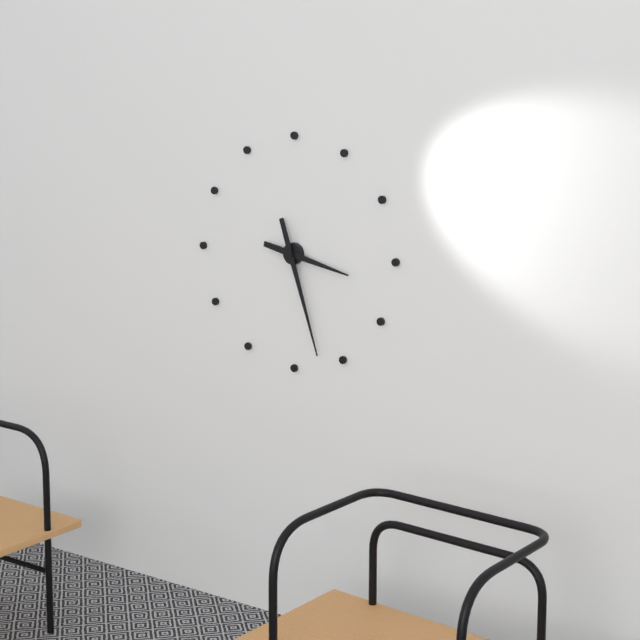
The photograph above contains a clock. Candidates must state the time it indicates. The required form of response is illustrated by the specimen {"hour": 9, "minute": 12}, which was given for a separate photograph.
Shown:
{"hour": 3, "minute": 27}
